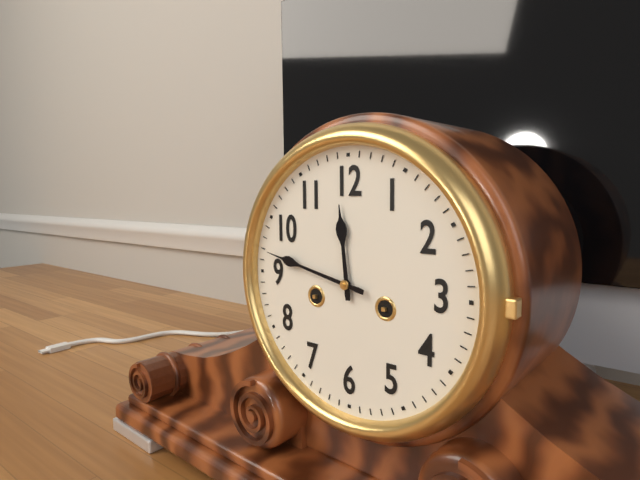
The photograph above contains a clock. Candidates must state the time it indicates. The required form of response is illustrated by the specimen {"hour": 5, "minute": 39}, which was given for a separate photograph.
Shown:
{"hour": 11, "minute": 47}
